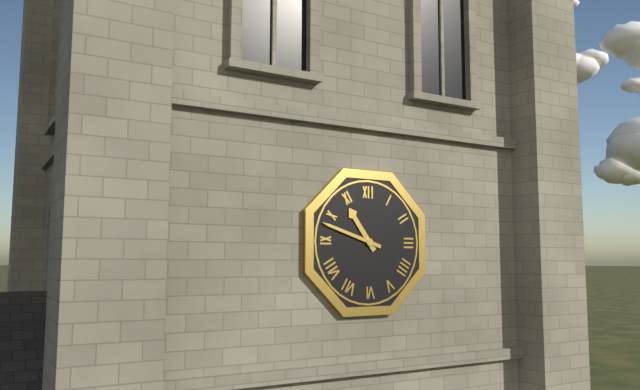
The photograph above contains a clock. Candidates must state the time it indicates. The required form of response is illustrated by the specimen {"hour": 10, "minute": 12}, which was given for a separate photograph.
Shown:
{"hour": 10, "minute": 48}
